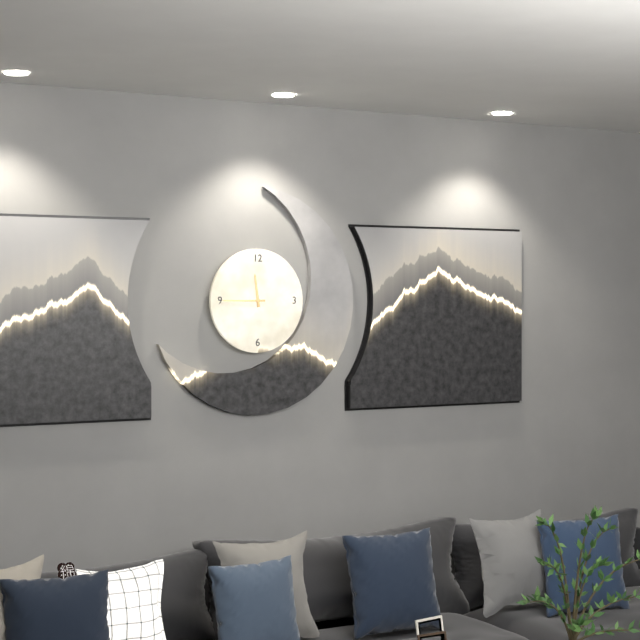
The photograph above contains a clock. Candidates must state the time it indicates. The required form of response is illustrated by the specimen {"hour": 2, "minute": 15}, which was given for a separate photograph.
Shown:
{"hour": 11, "minute": 45}
